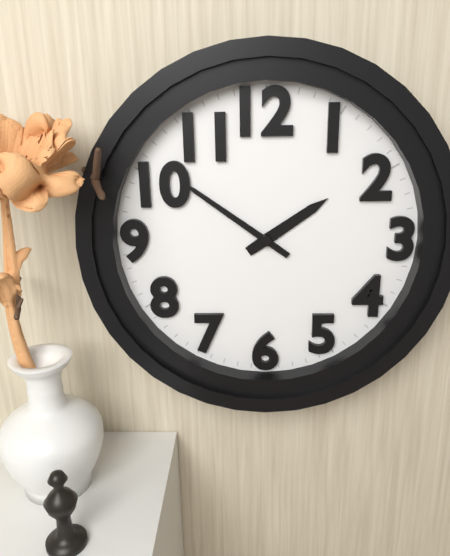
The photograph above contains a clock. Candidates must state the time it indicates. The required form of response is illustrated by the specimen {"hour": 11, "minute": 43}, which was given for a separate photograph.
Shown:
{"hour": 1, "minute": 51}
